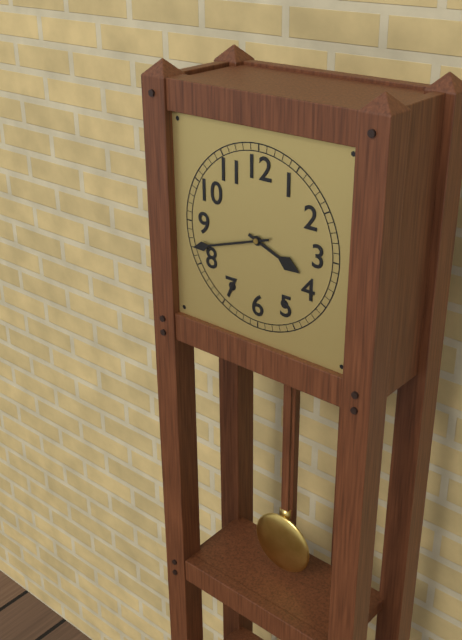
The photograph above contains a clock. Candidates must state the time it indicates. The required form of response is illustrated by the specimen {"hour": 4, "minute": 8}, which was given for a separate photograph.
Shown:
{"hour": 3, "minute": 42}
